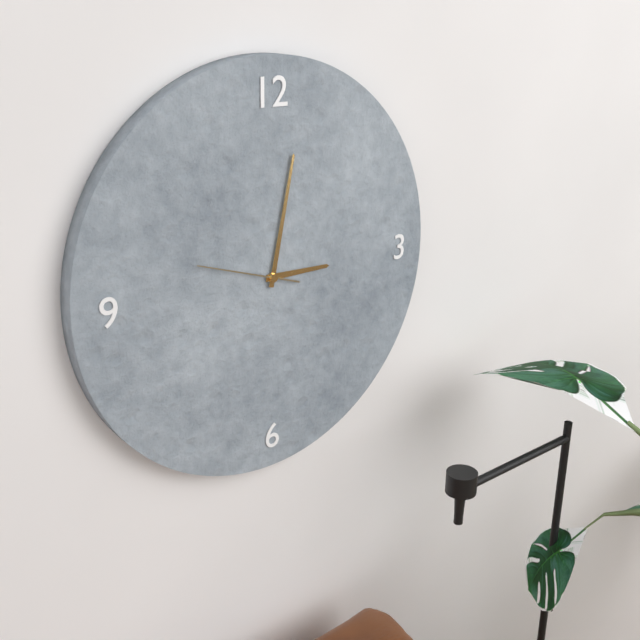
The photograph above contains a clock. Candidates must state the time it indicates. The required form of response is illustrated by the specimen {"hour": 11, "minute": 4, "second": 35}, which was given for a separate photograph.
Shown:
{"hour": 3, "minute": 2, "second": 48}
